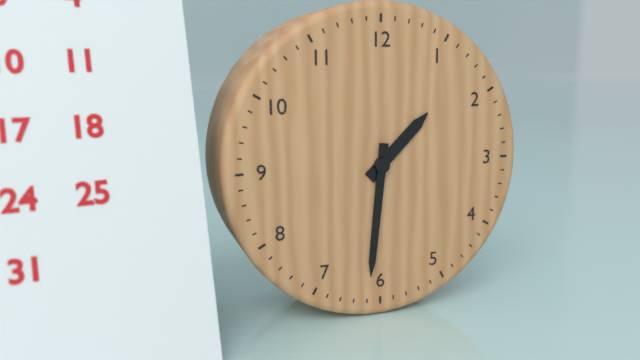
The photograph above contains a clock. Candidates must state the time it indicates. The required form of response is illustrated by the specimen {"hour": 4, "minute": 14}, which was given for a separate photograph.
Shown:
{"hour": 1, "minute": 31}
